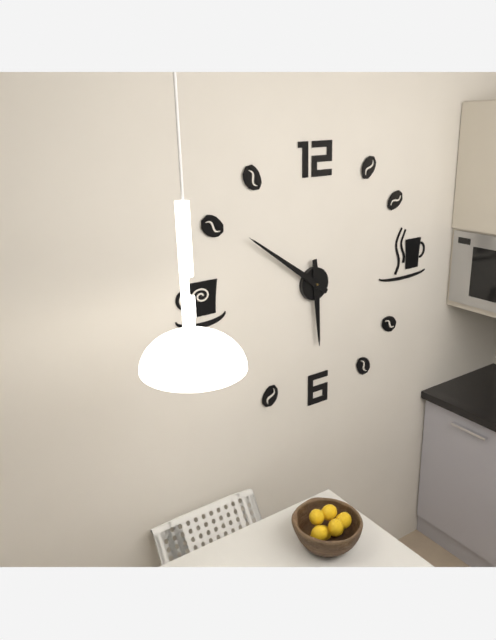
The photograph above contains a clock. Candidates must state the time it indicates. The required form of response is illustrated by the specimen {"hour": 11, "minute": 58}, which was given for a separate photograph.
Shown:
{"hour": 5, "minute": 51}
